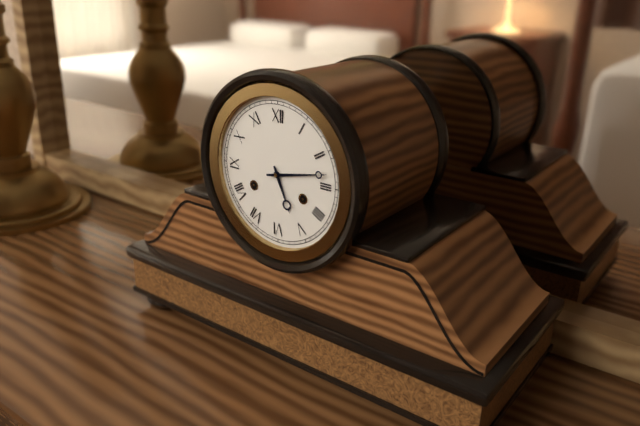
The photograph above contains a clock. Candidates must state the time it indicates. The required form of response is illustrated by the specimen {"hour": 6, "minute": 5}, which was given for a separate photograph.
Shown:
{"hour": 5, "minute": 13}
